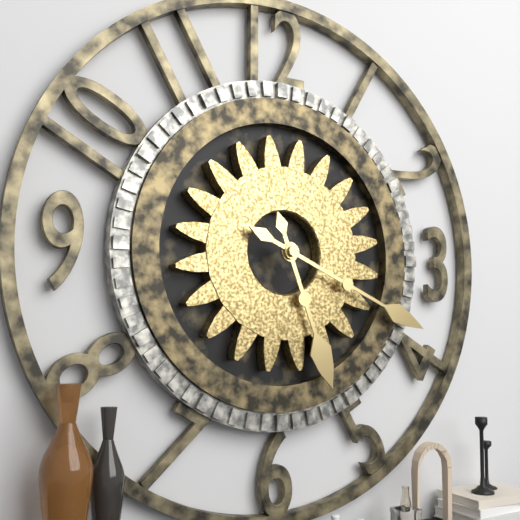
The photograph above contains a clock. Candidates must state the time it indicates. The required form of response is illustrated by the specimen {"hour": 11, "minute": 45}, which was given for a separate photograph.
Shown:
{"hour": 5, "minute": 19}
